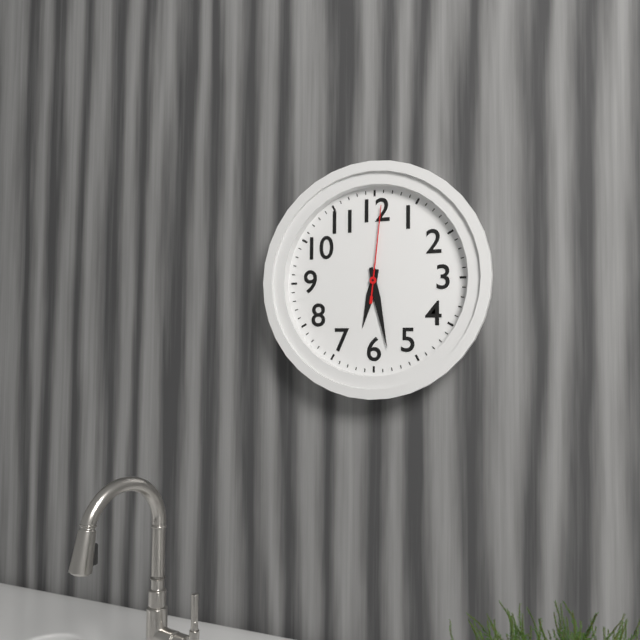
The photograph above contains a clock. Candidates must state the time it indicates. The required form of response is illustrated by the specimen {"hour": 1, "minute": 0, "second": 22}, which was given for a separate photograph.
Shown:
{"hour": 6, "minute": 28, "second": 1}
